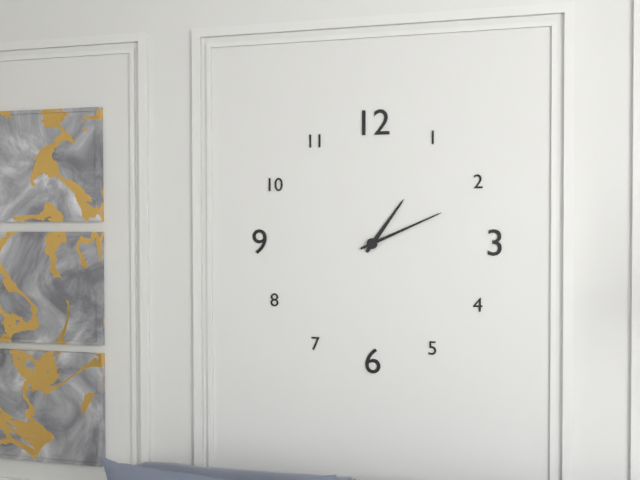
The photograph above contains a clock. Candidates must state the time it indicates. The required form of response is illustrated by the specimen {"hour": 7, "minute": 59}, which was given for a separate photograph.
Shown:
{"hour": 1, "minute": 11}
